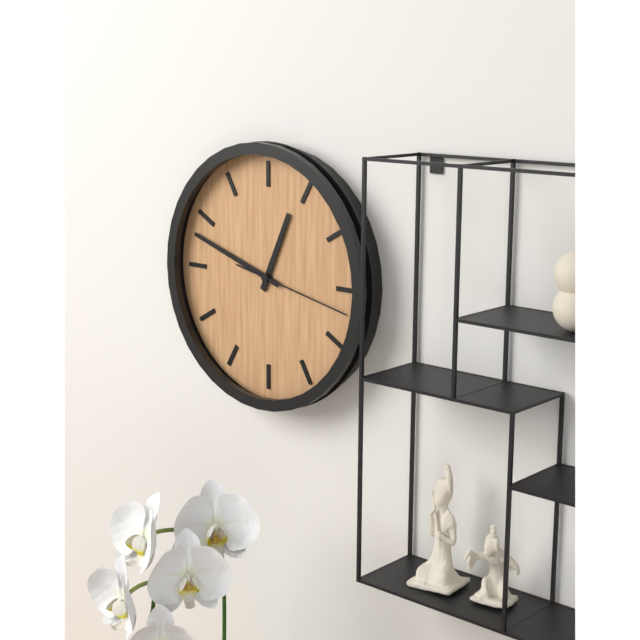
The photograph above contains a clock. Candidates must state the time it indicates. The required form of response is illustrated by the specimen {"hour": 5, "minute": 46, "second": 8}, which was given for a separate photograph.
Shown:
{"hour": 12, "minute": 48, "second": 17}
